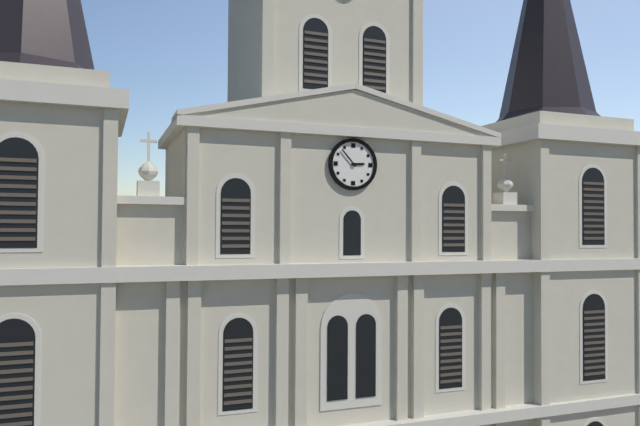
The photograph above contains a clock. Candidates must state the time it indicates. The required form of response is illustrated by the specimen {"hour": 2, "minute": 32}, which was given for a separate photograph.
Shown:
{"hour": 2, "minute": 53}
